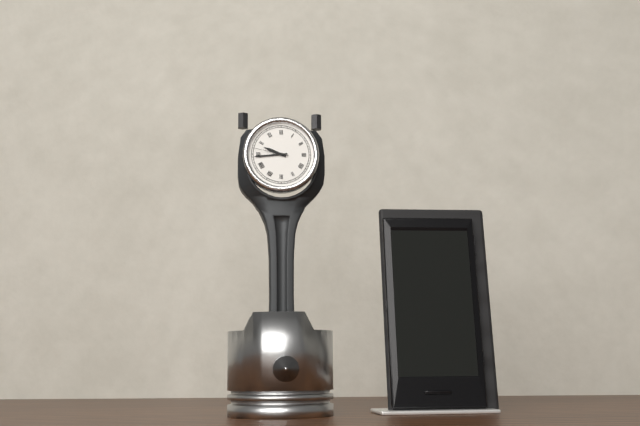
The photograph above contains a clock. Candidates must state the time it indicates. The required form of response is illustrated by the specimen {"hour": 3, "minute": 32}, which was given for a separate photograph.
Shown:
{"hour": 9, "minute": 44}
